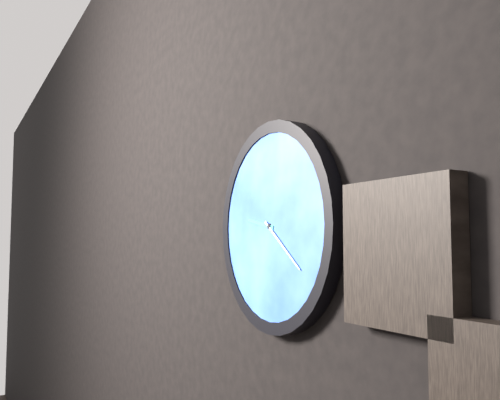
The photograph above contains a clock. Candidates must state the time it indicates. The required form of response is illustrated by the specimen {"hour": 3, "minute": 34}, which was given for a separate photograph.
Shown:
{"hour": 9, "minute": 21}
